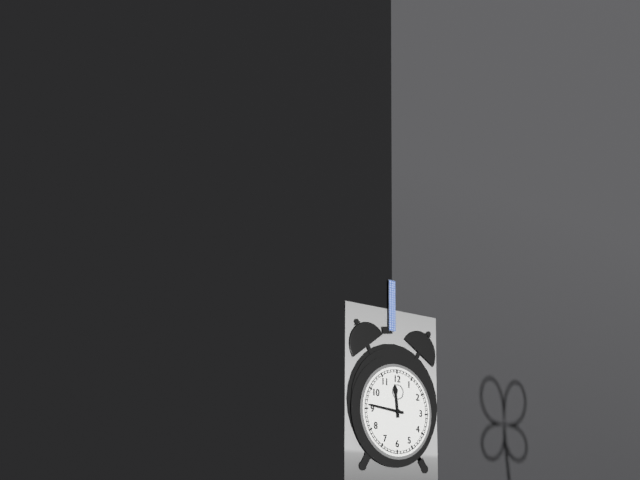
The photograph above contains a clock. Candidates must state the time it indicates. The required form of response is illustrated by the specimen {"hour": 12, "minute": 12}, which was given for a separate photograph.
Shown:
{"hour": 11, "minute": 46}
